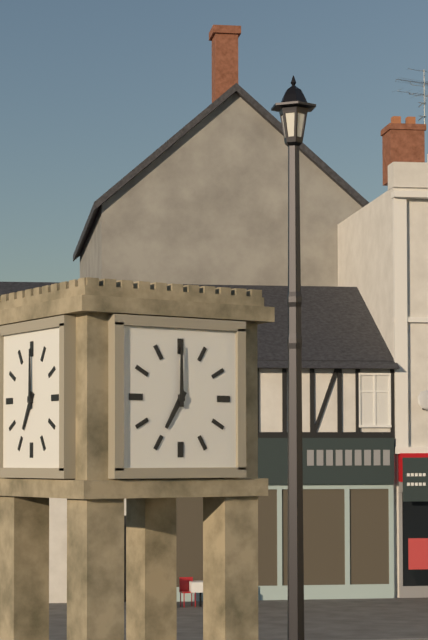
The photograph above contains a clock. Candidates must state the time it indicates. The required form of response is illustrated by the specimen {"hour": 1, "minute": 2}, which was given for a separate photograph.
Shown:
{"hour": 7, "minute": 0}
